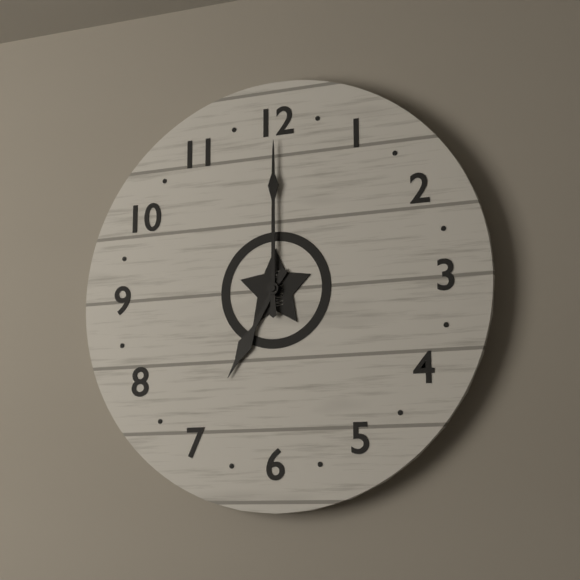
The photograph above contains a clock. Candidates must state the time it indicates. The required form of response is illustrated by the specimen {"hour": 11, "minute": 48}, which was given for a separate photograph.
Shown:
{"hour": 7, "minute": 0}
